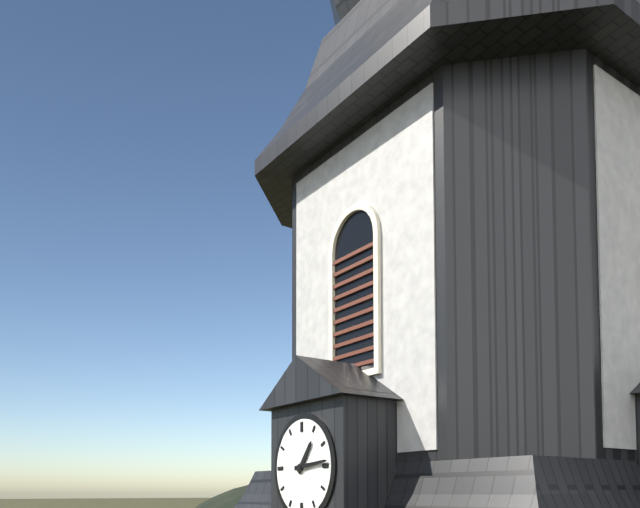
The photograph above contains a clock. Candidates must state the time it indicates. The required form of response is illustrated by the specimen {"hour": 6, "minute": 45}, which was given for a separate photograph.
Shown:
{"hour": 1, "minute": 14}
